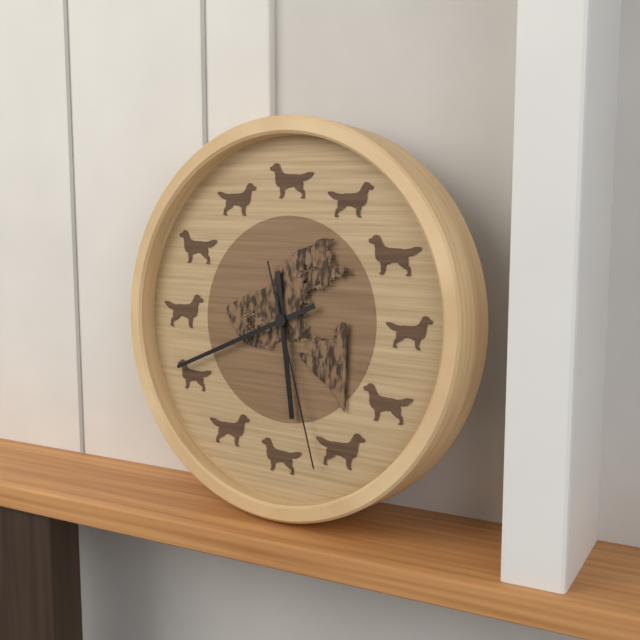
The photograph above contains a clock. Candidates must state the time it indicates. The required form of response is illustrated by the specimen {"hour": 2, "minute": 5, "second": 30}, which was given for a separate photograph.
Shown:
{"hour": 5, "minute": 41, "second": 27}
